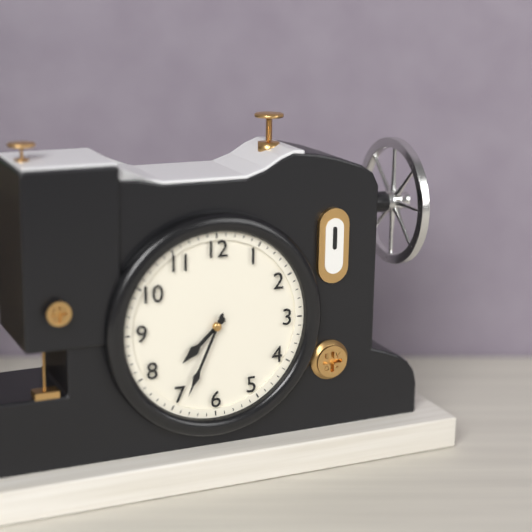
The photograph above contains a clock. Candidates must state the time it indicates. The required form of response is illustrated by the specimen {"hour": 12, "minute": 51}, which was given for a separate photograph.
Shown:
{"hour": 7, "minute": 34}
